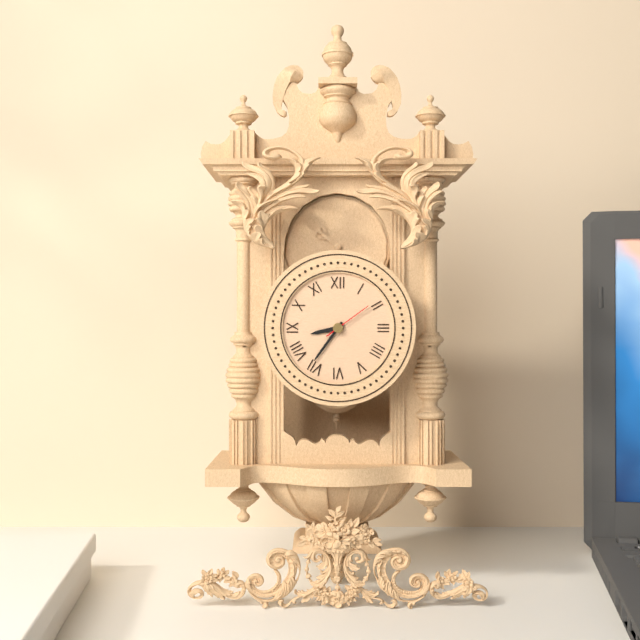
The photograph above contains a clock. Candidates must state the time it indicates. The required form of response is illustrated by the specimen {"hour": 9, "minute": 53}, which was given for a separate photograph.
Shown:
{"hour": 8, "minute": 36}
